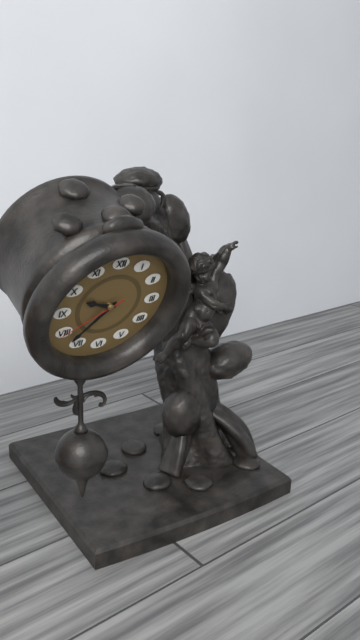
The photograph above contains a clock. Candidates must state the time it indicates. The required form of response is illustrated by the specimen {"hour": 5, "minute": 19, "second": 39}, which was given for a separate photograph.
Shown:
{"hour": 9, "minute": 37, "second": 40}
